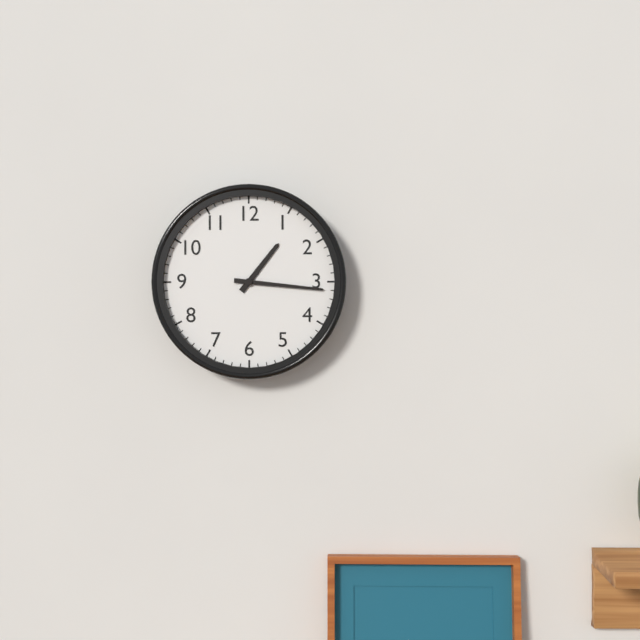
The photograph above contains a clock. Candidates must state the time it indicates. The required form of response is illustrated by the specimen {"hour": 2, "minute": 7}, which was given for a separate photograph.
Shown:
{"hour": 1, "minute": 16}
